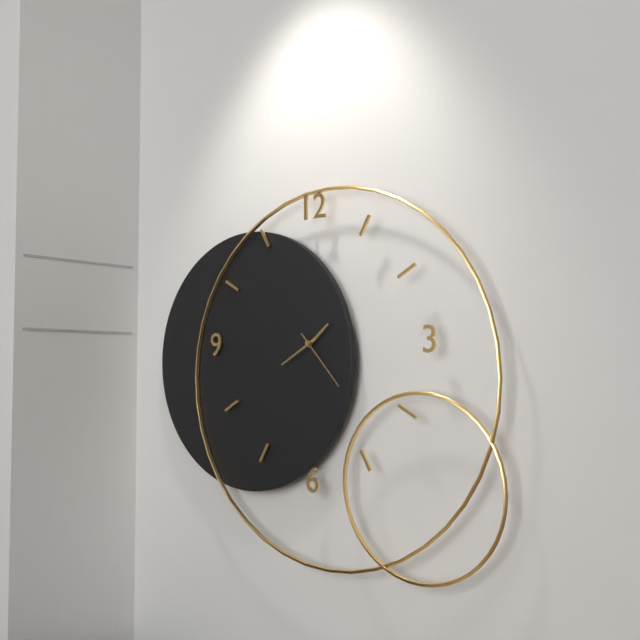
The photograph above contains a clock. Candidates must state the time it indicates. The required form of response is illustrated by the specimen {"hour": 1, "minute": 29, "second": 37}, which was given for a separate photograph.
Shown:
{"hour": 1, "minute": 40, "second": 23}
